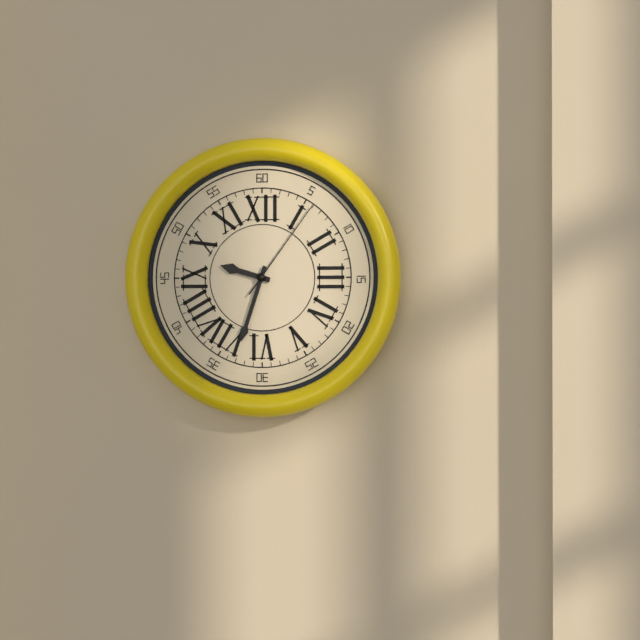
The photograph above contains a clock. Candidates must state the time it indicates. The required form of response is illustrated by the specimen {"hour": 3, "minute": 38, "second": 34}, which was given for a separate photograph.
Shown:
{"hour": 9, "minute": 33, "second": 6}
